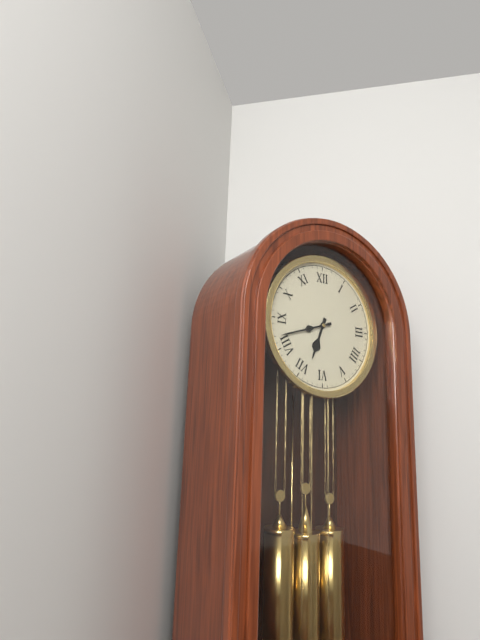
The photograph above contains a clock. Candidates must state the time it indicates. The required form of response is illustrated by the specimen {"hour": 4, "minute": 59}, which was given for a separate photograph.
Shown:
{"hour": 6, "minute": 42}
